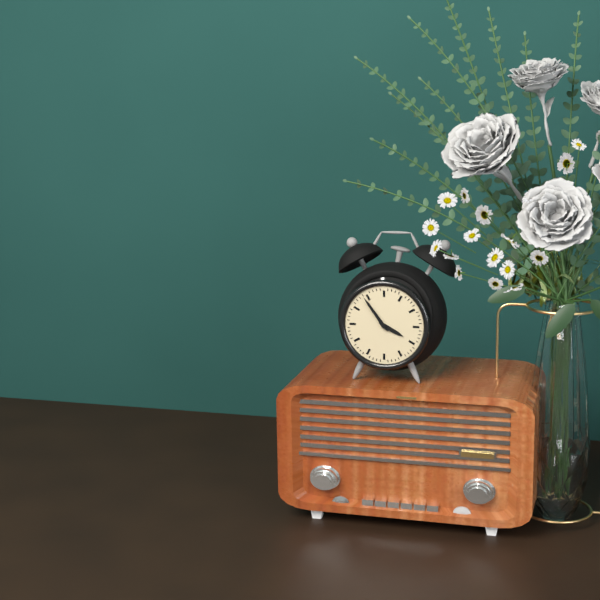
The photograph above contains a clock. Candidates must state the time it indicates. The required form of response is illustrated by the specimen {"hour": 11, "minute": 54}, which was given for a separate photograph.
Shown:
{"hour": 3, "minute": 54}
